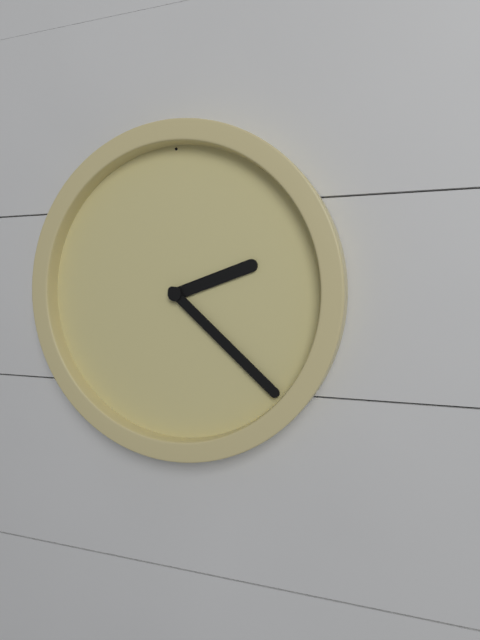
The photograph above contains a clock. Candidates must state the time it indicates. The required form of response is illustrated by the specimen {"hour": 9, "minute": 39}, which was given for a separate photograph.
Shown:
{"hour": 2, "minute": 22}
